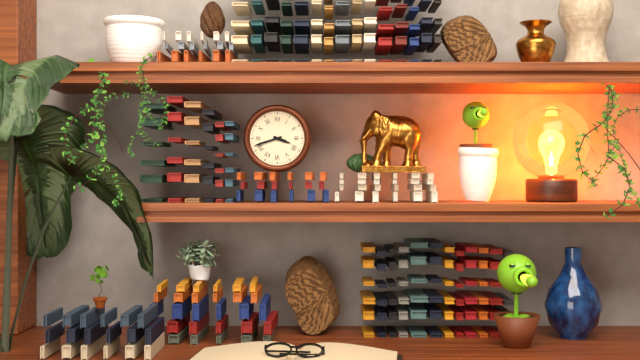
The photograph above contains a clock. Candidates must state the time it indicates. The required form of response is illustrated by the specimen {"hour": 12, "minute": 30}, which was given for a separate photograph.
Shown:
{"hour": 3, "minute": 42}
